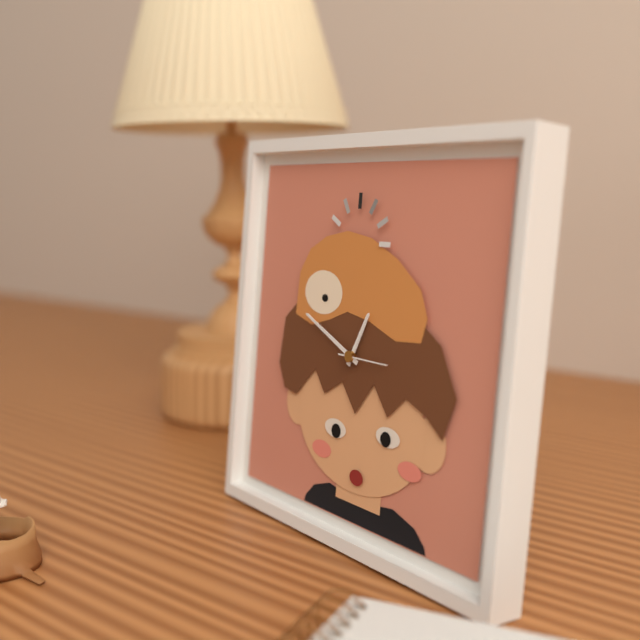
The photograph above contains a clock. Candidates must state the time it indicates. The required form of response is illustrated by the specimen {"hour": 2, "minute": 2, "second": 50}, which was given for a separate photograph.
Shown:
{"hour": 12, "minute": 49, "second": 15}
